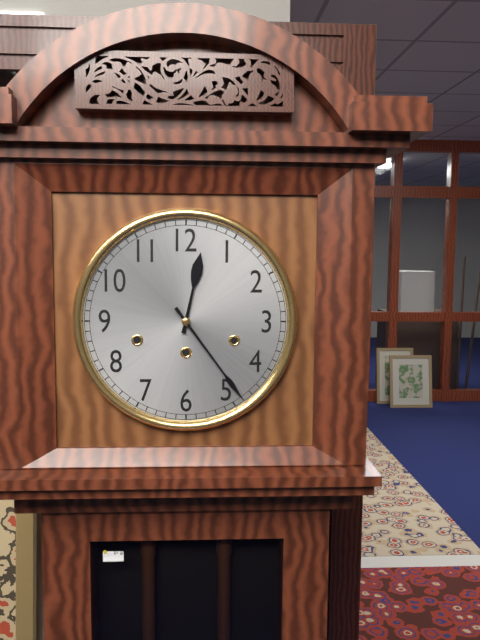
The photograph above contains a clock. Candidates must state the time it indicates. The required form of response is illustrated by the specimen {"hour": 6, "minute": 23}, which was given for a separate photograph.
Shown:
{"hour": 12, "minute": 24}
